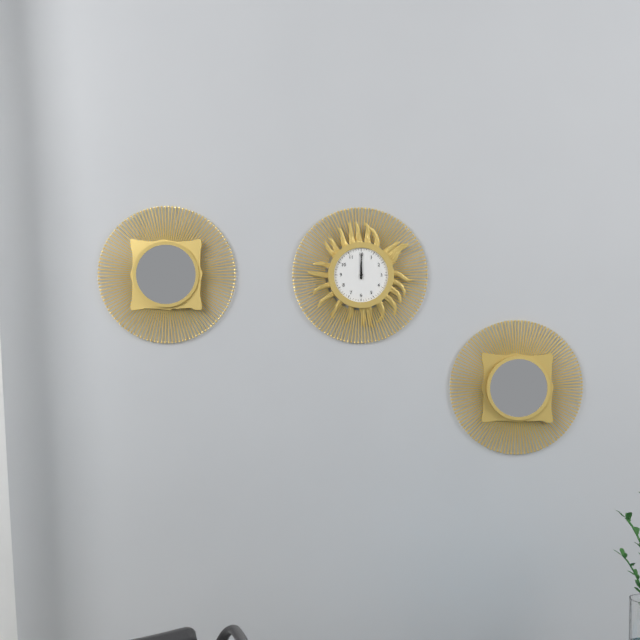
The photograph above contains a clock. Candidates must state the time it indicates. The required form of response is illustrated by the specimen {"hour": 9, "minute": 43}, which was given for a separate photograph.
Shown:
{"hour": 12, "minute": 0}
